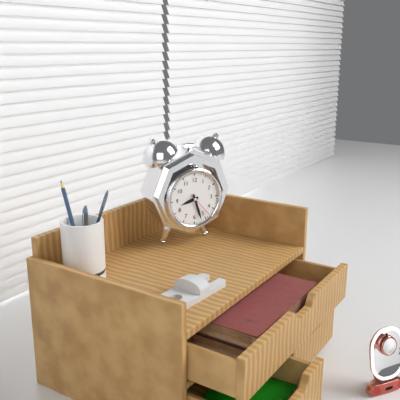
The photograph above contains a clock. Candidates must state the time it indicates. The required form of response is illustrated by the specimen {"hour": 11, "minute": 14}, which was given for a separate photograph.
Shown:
{"hour": 8, "minute": 27}
